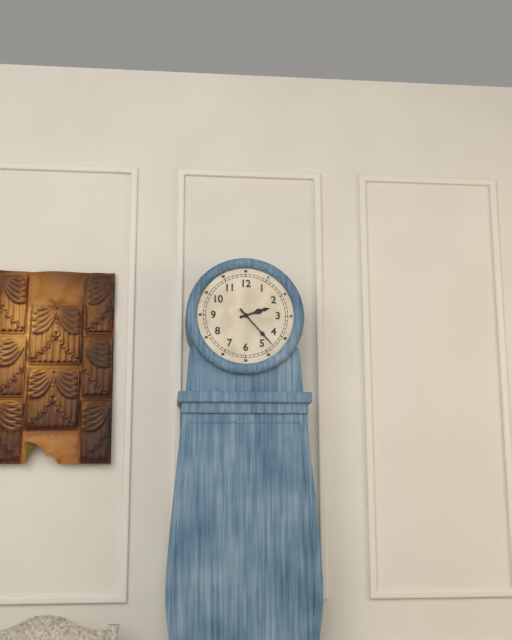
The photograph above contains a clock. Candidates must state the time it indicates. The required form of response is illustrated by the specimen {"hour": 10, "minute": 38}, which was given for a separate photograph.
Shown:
{"hour": 2, "minute": 23}
